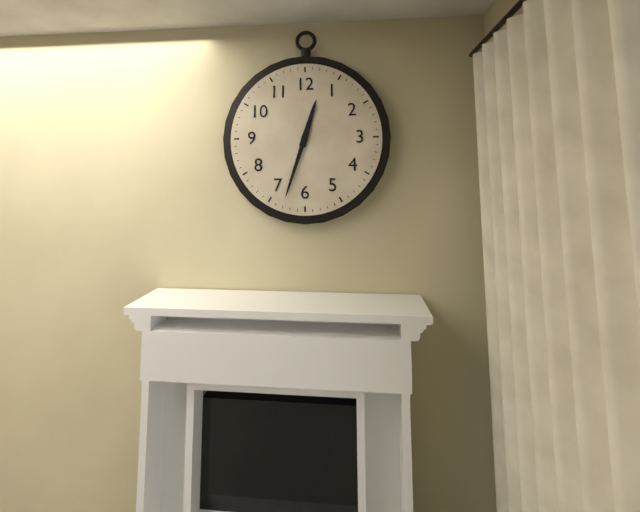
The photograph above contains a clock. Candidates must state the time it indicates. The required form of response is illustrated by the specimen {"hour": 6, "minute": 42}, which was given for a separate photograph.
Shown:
{"hour": 12, "minute": 33}
